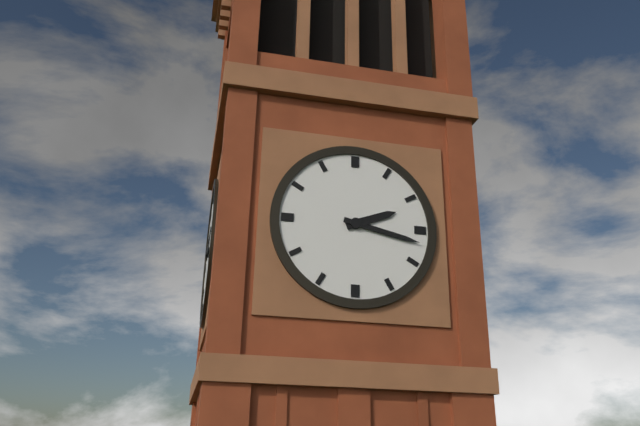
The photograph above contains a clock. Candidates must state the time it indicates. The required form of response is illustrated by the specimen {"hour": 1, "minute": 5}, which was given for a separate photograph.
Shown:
{"hour": 2, "minute": 17}
